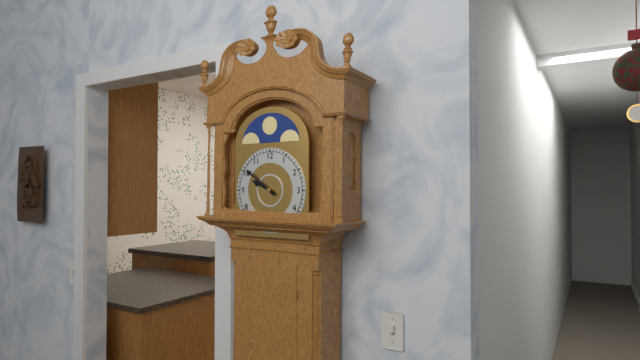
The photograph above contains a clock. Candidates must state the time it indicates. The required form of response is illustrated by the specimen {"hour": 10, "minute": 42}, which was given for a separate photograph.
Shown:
{"hour": 9, "minute": 51}
